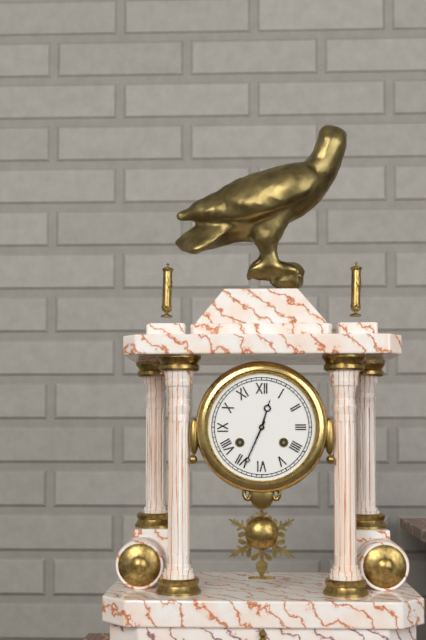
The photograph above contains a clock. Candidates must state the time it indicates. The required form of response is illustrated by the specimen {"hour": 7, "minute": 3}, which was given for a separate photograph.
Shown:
{"hour": 12, "minute": 34}
